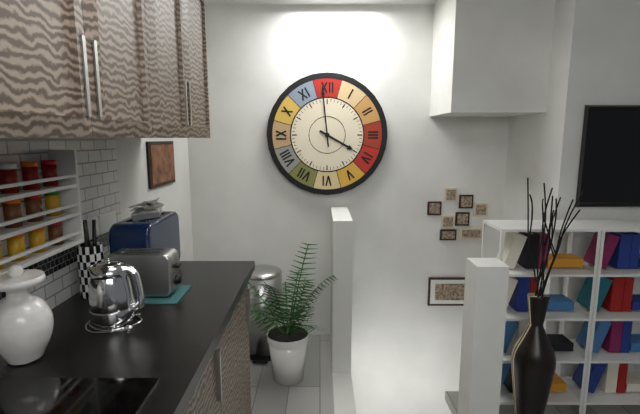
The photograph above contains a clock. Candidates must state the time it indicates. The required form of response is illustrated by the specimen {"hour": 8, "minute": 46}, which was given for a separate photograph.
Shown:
{"hour": 3, "minute": 59}
